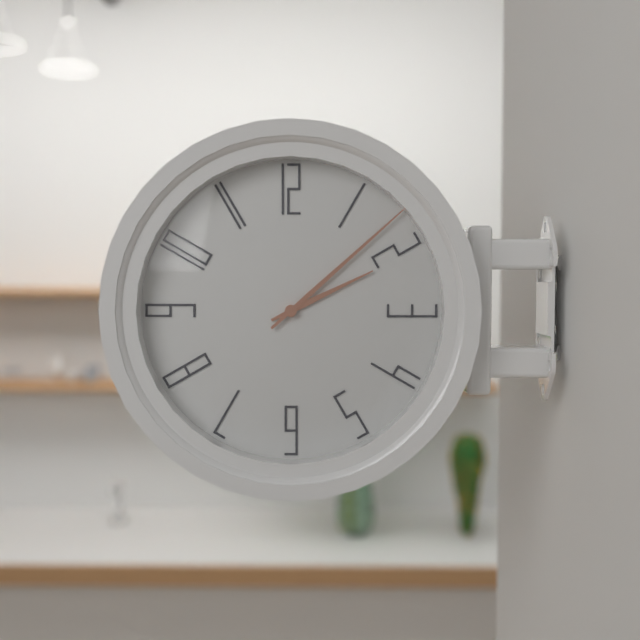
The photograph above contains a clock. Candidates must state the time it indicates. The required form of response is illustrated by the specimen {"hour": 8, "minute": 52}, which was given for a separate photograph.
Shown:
{"hour": 2, "minute": 8}
